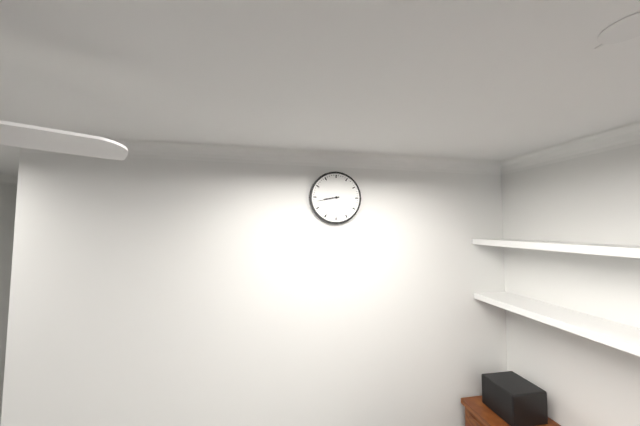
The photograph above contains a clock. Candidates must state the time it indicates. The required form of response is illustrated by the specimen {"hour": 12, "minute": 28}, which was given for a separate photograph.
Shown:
{"hour": 8, "minute": 43}
